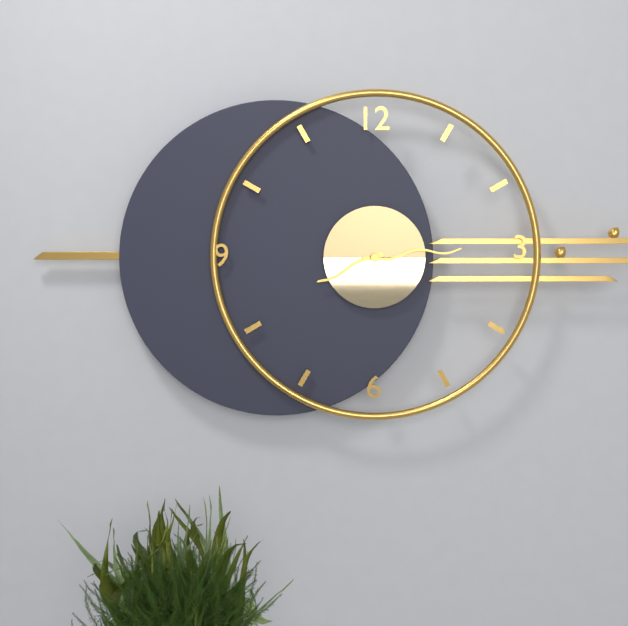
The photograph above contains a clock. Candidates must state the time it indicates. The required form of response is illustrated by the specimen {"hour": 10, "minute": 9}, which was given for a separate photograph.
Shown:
{"hour": 8, "minute": 14}
